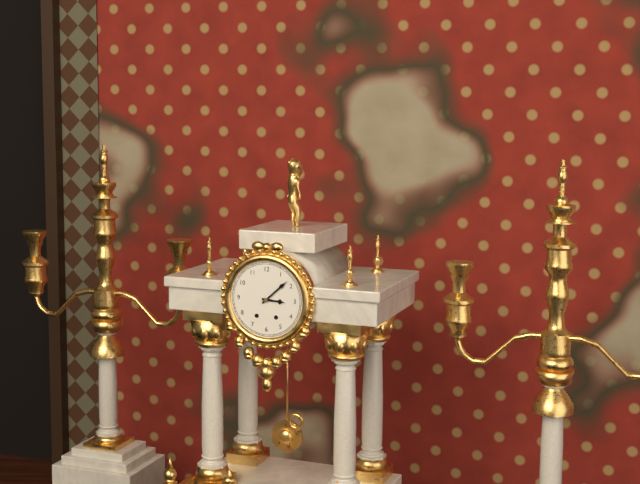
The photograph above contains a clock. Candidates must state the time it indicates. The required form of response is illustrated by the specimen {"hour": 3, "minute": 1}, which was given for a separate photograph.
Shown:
{"hour": 3, "minute": 8}
